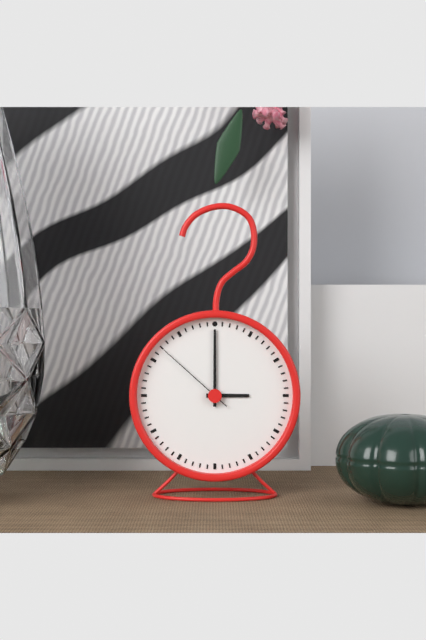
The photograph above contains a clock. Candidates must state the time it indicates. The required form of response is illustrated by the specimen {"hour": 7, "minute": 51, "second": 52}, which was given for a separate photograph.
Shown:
{"hour": 3, "minute": 0, "second": 52}
